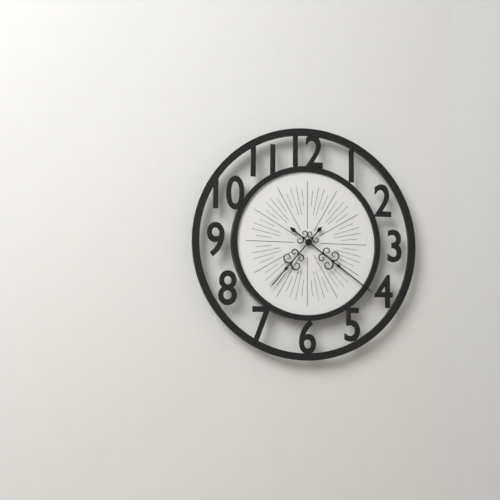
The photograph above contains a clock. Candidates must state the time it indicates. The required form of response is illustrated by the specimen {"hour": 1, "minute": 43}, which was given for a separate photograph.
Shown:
{"hour": 7, "minute": 21}
